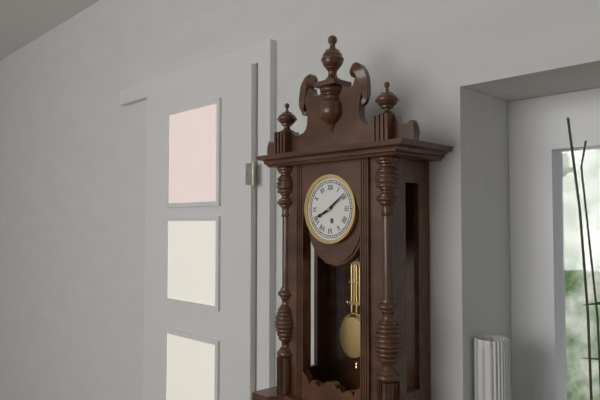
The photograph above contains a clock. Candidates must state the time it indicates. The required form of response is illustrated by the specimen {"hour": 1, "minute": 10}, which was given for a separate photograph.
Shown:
{"hour": 8, "minute": 9}
